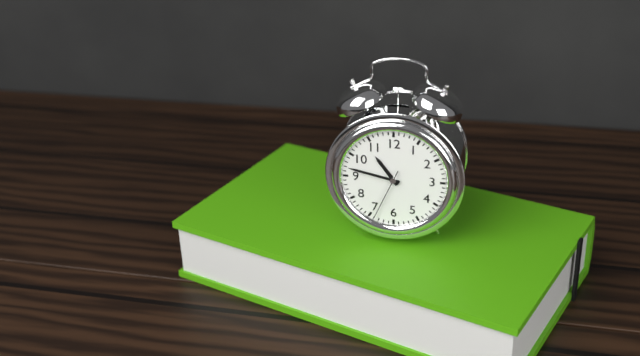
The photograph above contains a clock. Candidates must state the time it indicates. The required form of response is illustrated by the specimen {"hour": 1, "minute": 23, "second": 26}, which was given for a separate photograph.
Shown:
{"hour": 10, "minute": 47, "second": 34}
